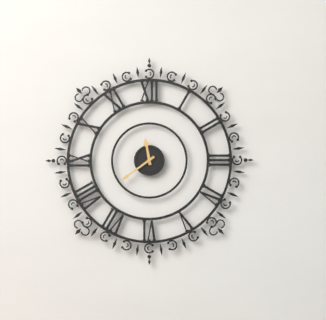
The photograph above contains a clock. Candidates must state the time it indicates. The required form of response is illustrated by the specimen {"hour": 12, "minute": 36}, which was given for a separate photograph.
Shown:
{"hour": 11, "minute": 39}
